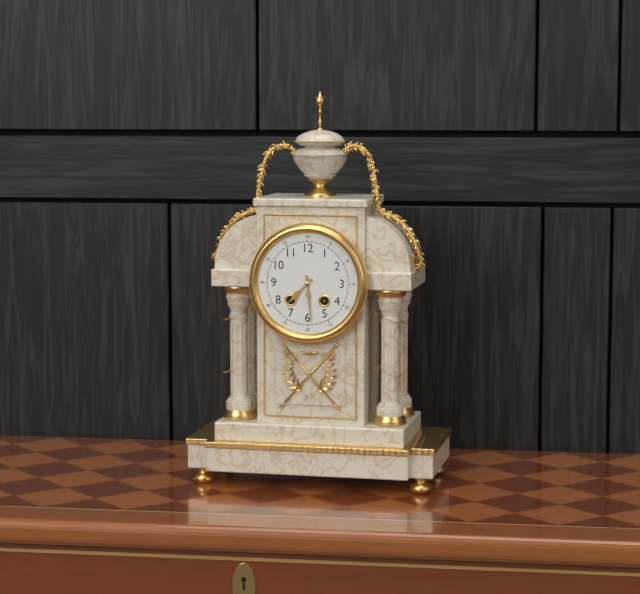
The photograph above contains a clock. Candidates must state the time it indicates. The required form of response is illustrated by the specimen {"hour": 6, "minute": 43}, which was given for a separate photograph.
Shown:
{"hour": 7, "minute": 29}
